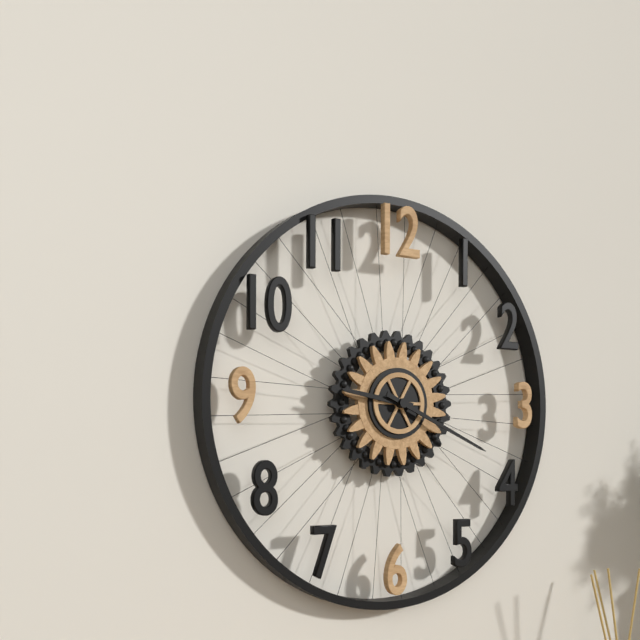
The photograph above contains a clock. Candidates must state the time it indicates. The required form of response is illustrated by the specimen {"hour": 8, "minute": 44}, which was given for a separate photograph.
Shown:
{"hour": 9, "minute": 19}
